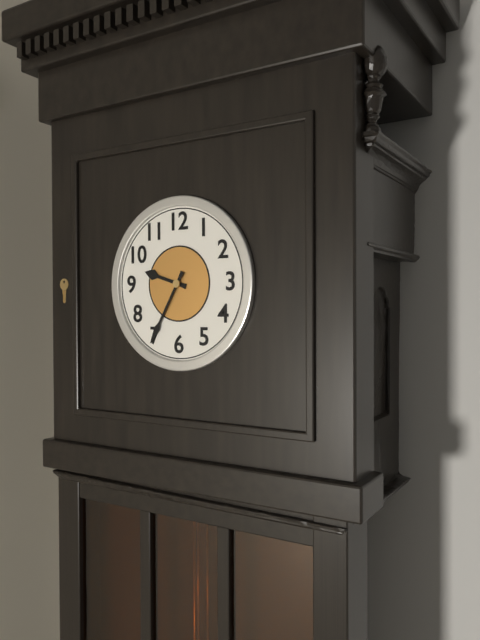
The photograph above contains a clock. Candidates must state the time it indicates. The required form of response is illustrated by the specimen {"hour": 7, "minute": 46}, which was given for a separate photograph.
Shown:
{"hour": 9, "minute": 35}
